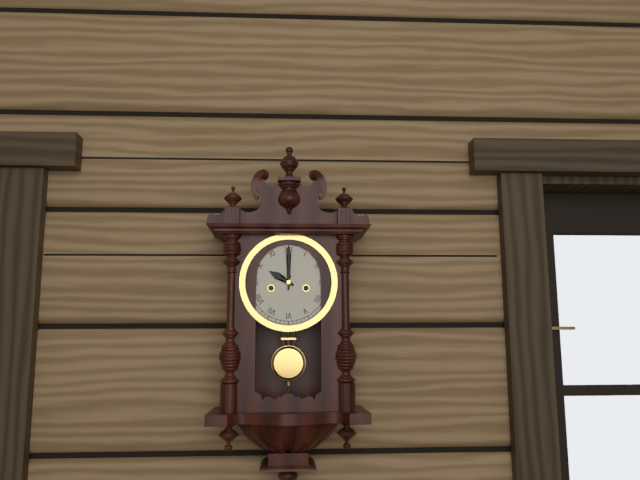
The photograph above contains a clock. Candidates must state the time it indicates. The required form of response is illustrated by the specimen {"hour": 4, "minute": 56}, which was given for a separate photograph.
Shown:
{"hour": 10, "minute": 0}
